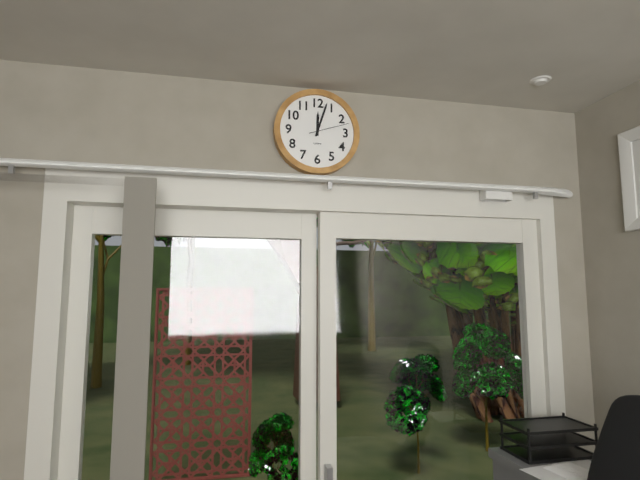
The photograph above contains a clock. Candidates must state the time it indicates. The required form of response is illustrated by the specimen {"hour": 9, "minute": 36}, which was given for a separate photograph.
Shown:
{"hour": 12, "minute": 3}
